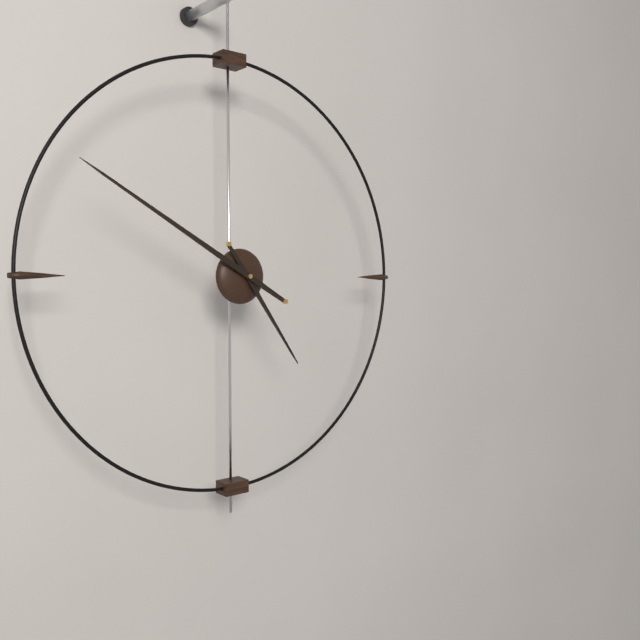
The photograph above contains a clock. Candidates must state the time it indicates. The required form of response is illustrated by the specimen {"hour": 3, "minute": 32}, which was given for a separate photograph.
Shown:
{"hour": 4, "minute": 50}
